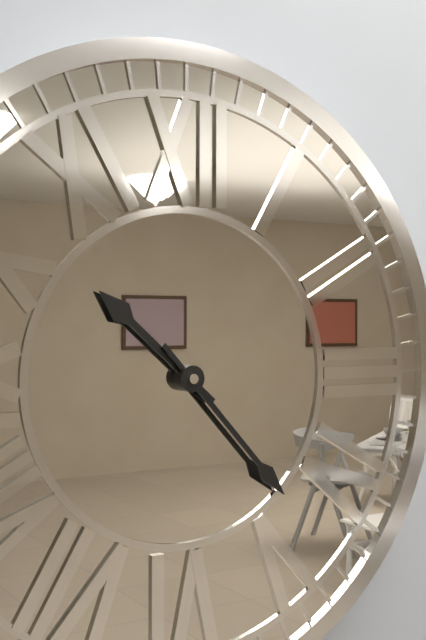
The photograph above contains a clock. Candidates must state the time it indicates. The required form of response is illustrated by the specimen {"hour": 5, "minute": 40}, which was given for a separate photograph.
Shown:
{"hour": 10, "minute": 23}
